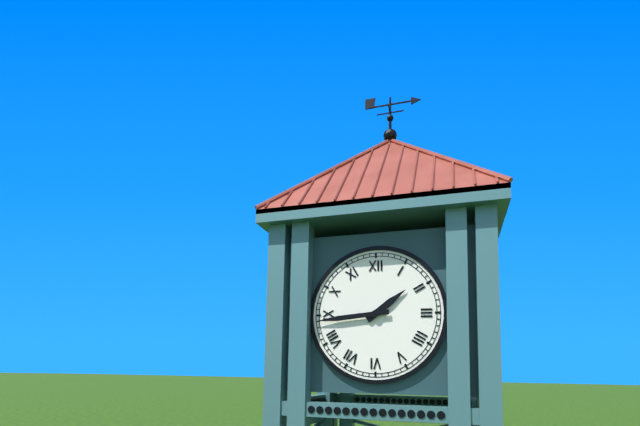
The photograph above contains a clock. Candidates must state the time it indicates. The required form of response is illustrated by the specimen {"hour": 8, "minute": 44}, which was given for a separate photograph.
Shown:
{"hour": 1, "minute": 44}
